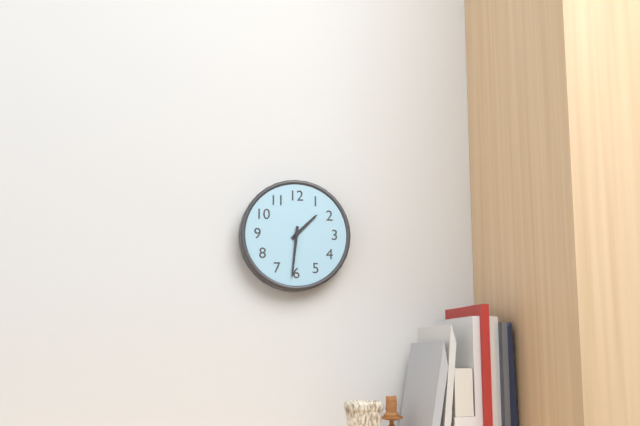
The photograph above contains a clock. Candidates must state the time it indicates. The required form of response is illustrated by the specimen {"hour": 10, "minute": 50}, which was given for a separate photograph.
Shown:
{"hour": 1, "minute": 31}
